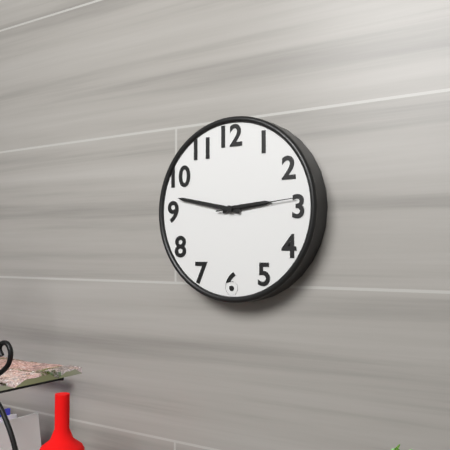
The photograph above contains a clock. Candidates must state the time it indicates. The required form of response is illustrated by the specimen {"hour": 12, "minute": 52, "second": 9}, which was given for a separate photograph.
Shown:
{"hour": 2, "minute": 47, "second": 14}
